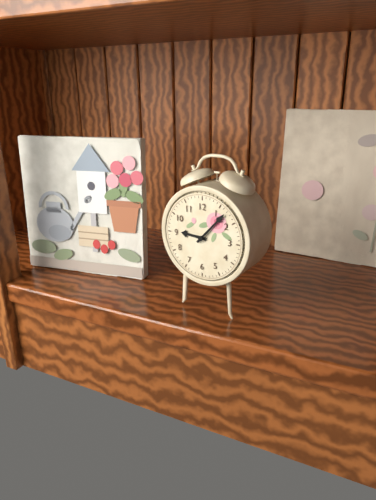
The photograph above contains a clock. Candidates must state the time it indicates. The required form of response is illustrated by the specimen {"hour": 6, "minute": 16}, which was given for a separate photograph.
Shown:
{"hour": 9, "minute": 7}
